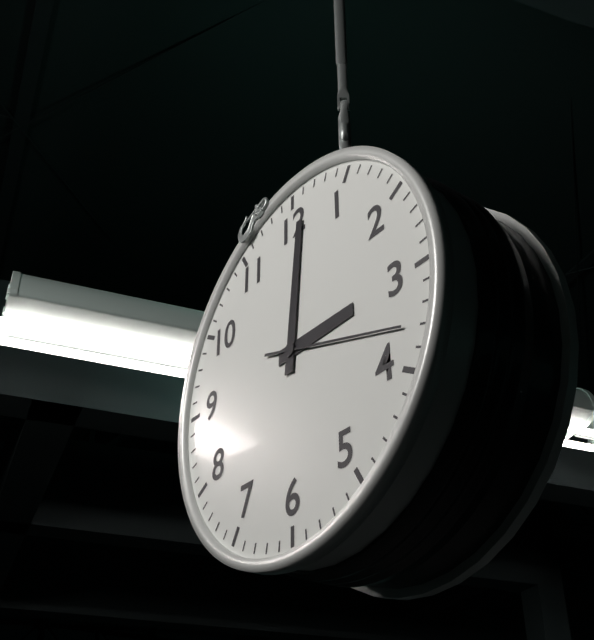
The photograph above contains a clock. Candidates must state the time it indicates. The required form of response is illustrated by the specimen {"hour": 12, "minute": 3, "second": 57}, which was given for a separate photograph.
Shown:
{"hour": 3, "minute": 1, "second": 18}
